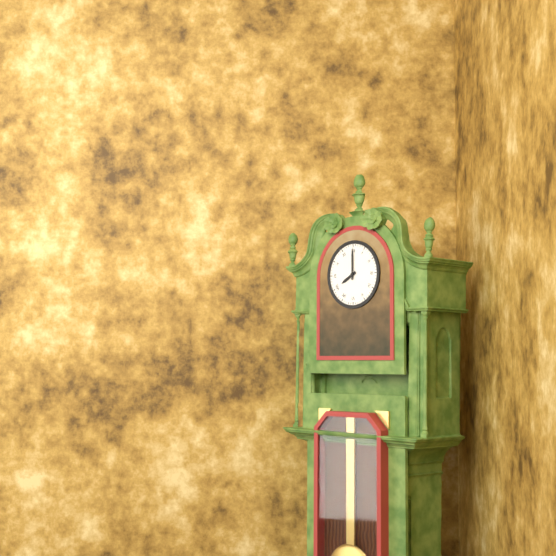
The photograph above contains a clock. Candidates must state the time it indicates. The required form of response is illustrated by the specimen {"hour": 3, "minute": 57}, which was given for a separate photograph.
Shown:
{"hour": 8, "minute": 0}
